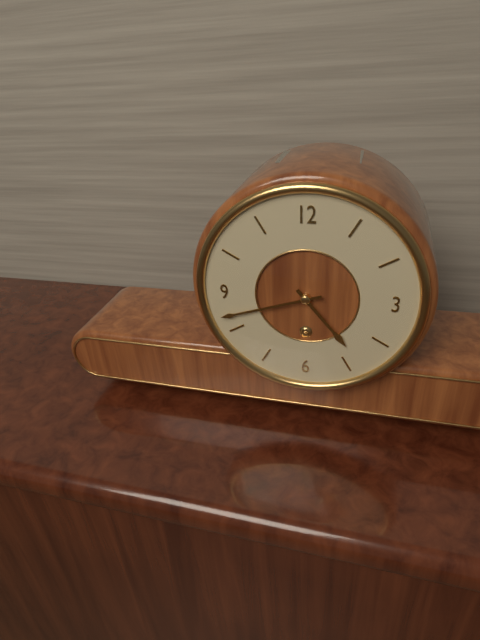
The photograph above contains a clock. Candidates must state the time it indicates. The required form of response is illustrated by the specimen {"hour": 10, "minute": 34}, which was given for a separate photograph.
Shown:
{"hour": 4, "minute": 42}
